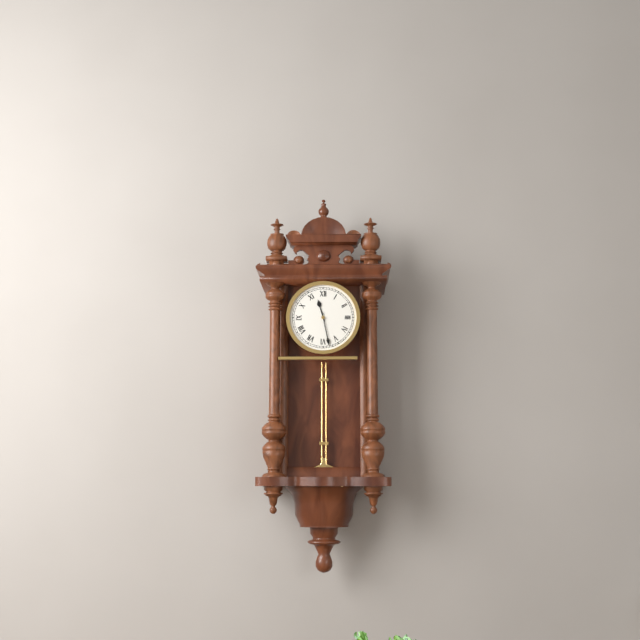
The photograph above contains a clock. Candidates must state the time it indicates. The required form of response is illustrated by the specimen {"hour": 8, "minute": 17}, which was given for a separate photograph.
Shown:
{"hour": 11, "minute": 28}
